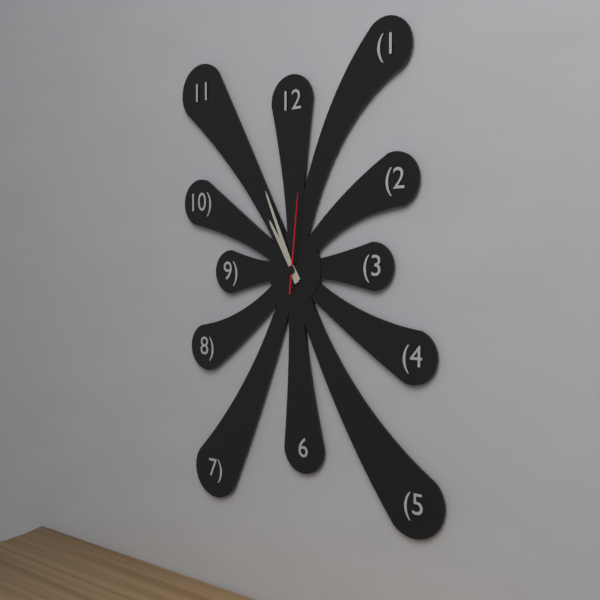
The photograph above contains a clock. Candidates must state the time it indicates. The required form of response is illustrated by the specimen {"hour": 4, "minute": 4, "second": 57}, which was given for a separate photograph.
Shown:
{"hour": 10, "minute": 56, "second": 1}
